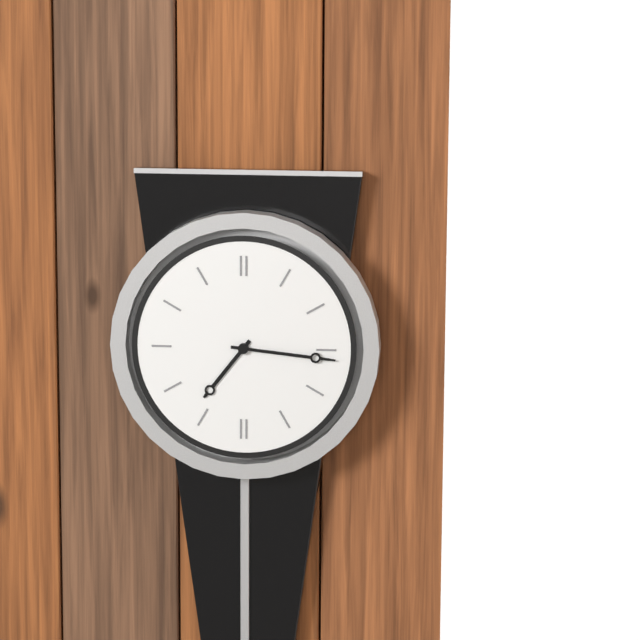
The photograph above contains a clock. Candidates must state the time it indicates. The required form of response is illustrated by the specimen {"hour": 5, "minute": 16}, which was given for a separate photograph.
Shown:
{"hour": 7, "minute": 16}
